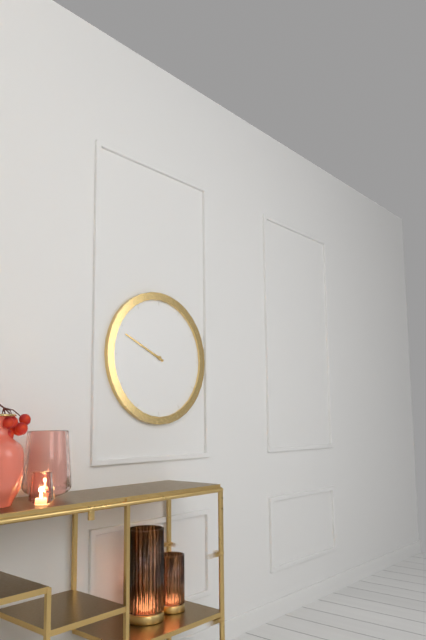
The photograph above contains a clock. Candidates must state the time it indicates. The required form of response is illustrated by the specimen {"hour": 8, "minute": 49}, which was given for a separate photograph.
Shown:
{"hour": 9, "minute": 49}
